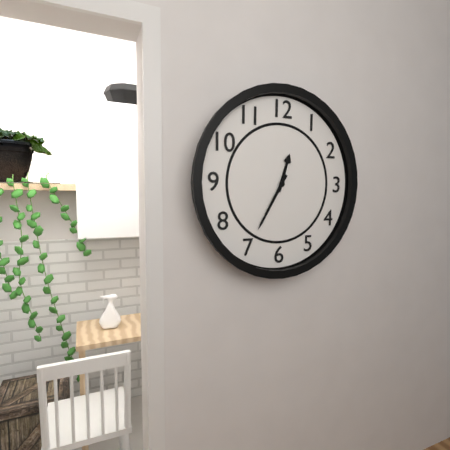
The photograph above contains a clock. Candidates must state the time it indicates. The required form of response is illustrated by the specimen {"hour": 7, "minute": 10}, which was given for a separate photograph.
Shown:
{"hour": 12, "minute": 35}
